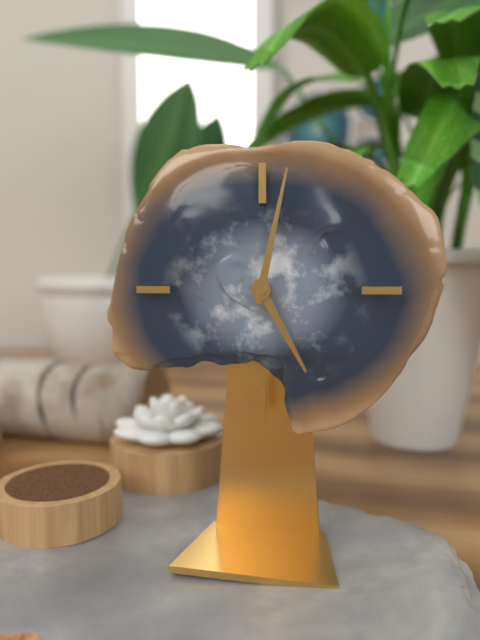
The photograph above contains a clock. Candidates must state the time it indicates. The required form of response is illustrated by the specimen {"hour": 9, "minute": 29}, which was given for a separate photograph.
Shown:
{"hour": 5, "minute": 2}
